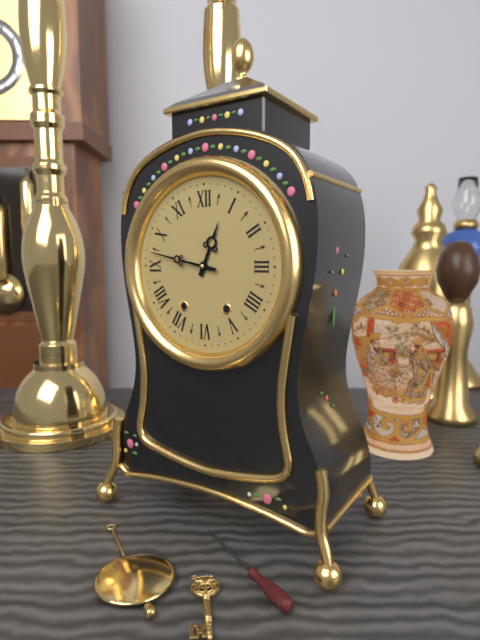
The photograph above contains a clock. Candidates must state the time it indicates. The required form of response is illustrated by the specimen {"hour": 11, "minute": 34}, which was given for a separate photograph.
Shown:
{"hour": 12, "minute": 47}
